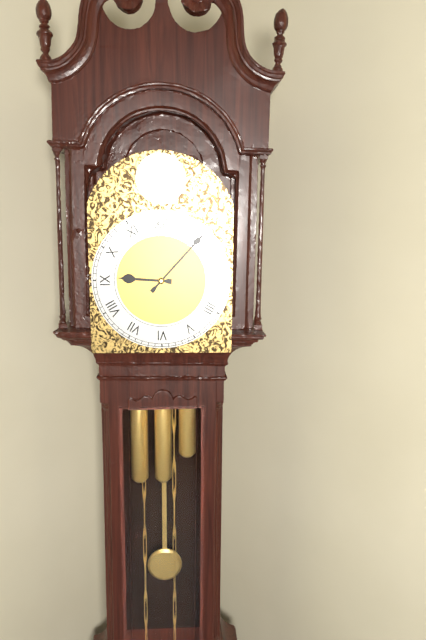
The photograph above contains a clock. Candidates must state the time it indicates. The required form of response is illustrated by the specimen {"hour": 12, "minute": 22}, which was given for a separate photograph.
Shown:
{"hour": 9, "minute": 7}
